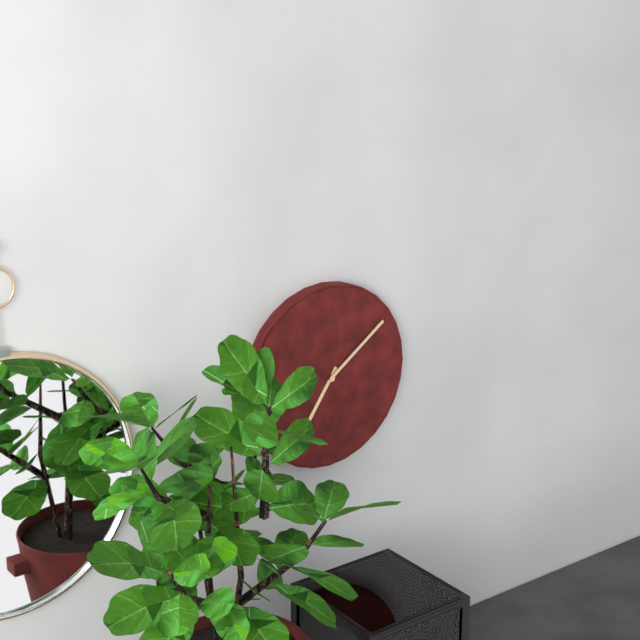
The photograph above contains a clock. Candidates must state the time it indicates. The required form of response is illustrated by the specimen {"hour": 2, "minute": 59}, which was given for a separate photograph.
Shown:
{"hour": 7, "minute": 9}
